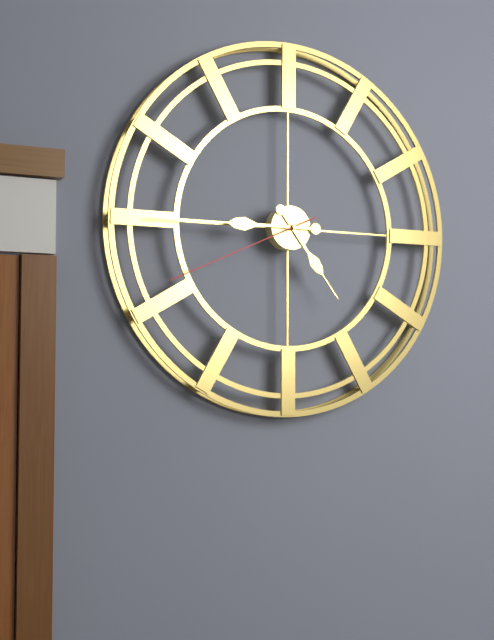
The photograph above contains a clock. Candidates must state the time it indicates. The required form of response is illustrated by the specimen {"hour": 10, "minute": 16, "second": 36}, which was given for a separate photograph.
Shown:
{"hour": 4, "minute": 45, "second": 41}
